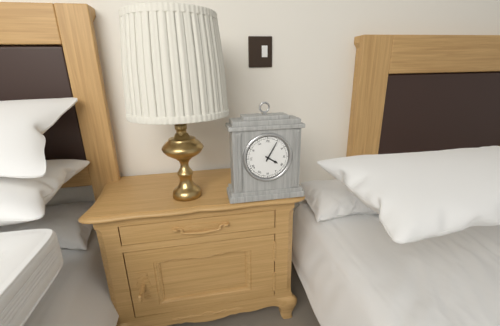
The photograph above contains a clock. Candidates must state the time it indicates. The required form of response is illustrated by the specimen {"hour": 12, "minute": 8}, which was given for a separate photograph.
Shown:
{"hour": 4, "minute": 5}
